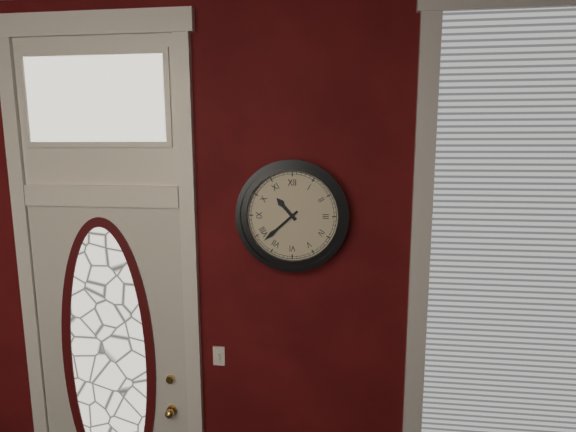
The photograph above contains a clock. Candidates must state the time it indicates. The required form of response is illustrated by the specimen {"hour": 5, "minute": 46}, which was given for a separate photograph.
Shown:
{"hour": 10, "minute": 38}
